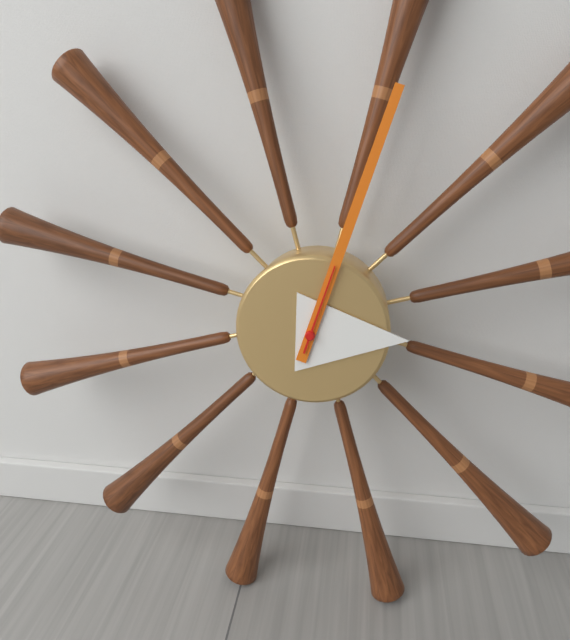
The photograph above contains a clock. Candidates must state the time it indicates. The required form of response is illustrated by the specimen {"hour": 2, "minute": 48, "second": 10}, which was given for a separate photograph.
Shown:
{"hour": 3, "minute": 3, "second": 3}
